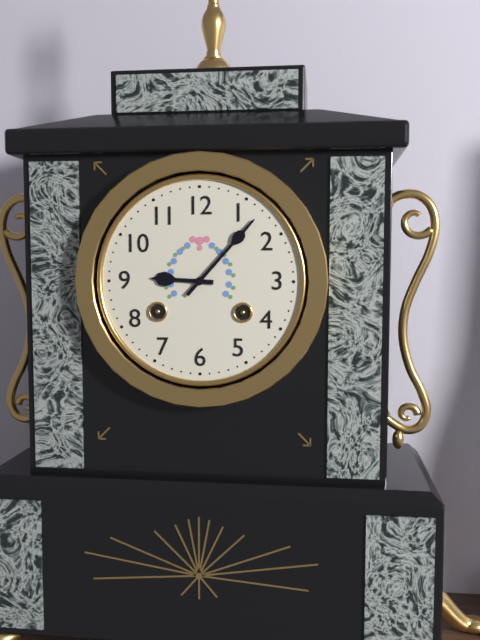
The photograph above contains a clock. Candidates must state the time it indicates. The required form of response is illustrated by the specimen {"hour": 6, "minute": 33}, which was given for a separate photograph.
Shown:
{"hour": 9, "minute": 7}
